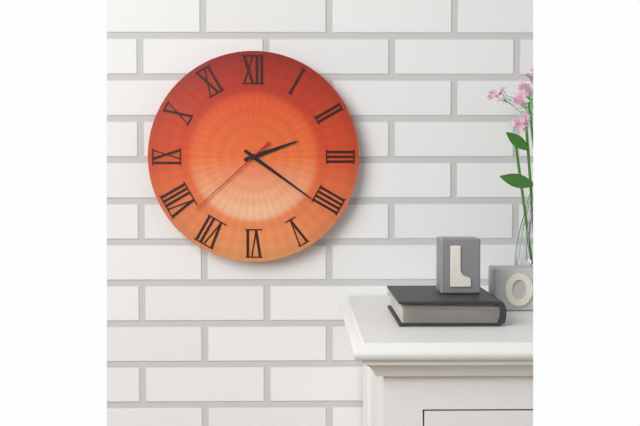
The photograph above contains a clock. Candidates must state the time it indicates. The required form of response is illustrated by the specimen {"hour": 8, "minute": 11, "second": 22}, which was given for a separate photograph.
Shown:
{"hour": 2, "minute": 21, "second": 38}
